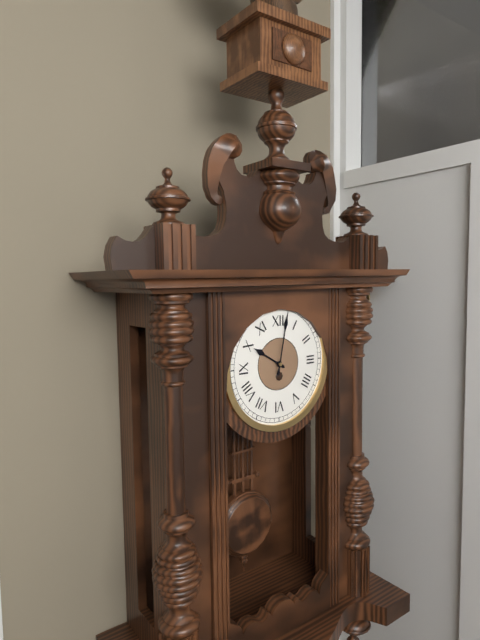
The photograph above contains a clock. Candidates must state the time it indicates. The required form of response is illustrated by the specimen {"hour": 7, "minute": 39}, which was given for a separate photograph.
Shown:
{"hour": 10, "minute": 2}
